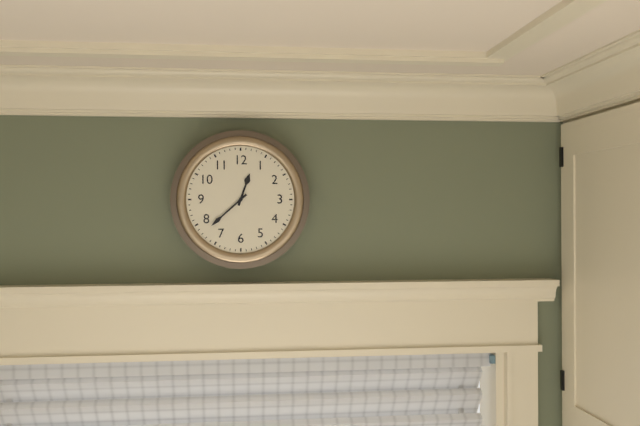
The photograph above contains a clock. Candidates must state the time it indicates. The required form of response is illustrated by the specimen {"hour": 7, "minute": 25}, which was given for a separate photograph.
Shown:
{"hour": 12, "minute": 38}
